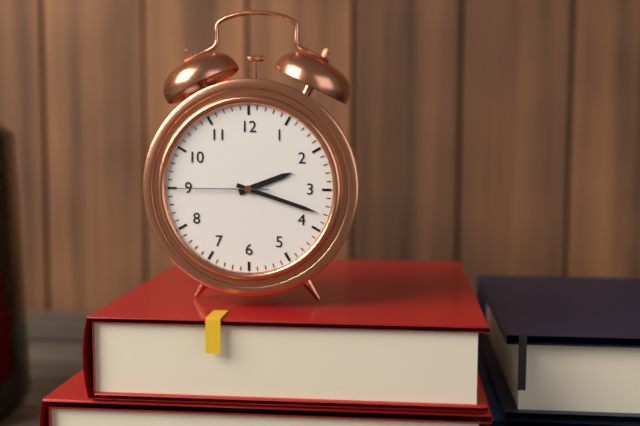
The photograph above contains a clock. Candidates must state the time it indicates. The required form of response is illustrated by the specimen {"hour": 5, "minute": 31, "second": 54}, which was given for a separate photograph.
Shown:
{"hour": 2, "minute": 18, "second": 45}
